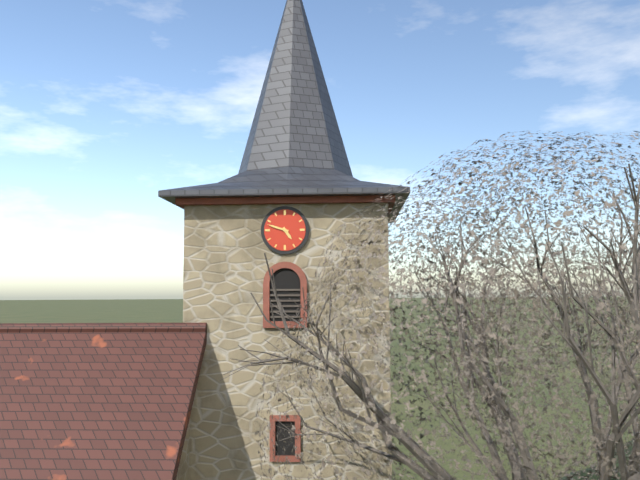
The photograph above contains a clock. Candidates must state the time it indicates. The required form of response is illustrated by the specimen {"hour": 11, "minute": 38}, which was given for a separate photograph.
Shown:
{"hour": 4, "minute": 48}
